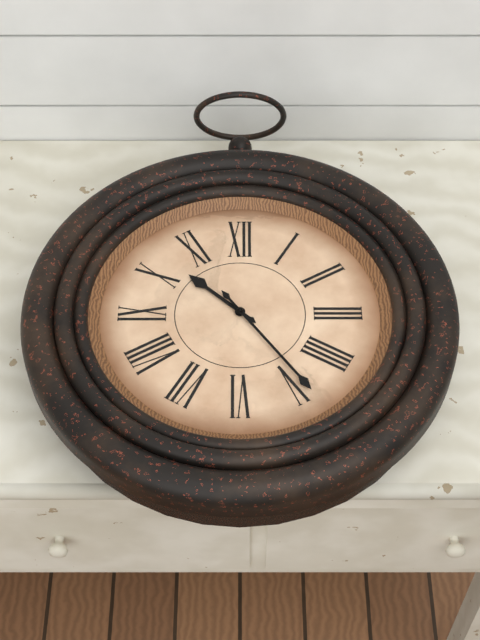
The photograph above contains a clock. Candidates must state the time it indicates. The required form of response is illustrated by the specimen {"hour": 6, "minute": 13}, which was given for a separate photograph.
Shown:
{"hour": 10, "minute": 24}
